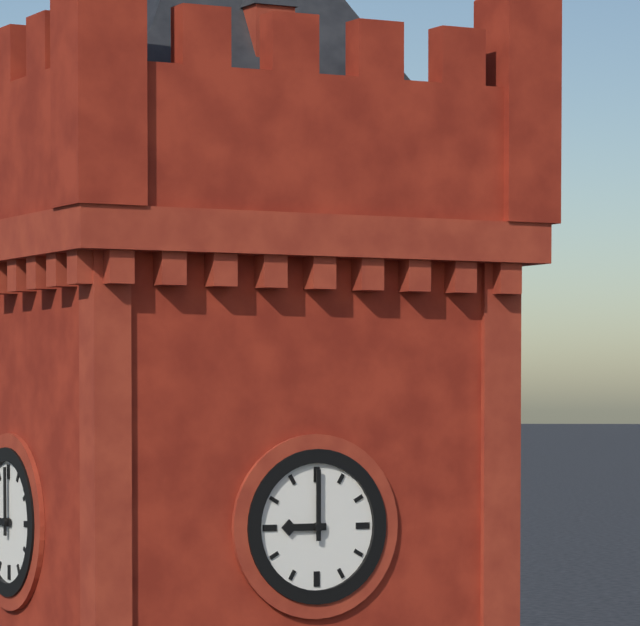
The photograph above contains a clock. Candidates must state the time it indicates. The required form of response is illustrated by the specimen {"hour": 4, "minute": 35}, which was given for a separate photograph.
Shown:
{"hour": 9, "minute": 0}
